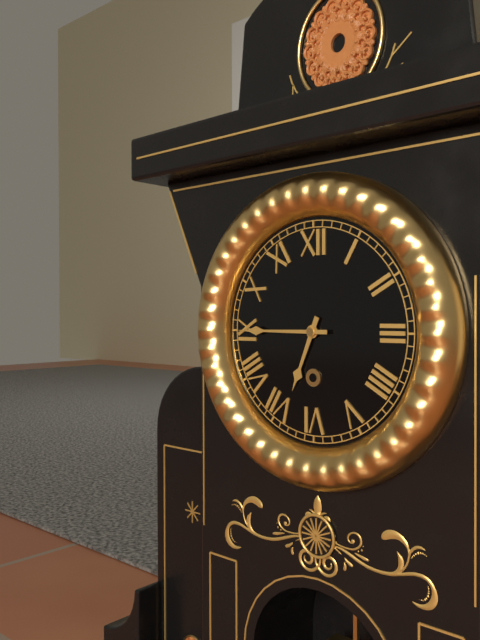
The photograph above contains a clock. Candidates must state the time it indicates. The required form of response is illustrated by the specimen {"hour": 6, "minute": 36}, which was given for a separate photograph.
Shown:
{"hour": 6, "minute": 45}
